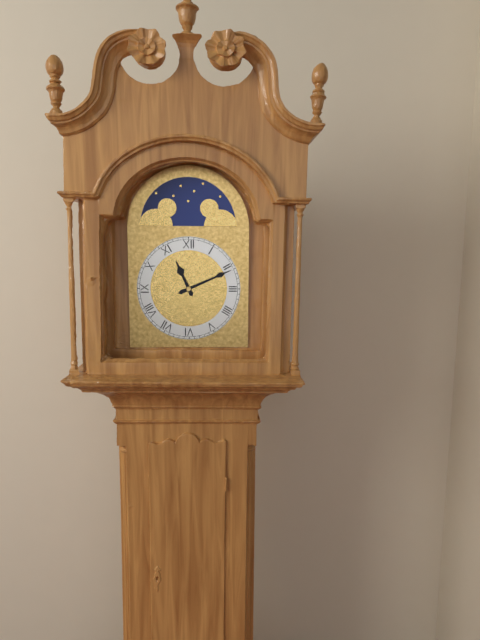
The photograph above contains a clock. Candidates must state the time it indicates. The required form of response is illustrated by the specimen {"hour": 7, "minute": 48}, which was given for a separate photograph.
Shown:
{"hour": 11, "minute": 11}
